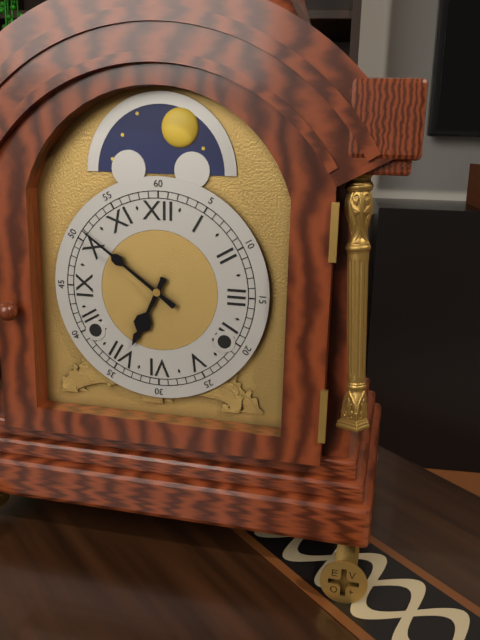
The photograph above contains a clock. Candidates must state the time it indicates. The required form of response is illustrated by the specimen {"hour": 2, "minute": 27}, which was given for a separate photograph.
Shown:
{"hour": 6, "minute": 51}
